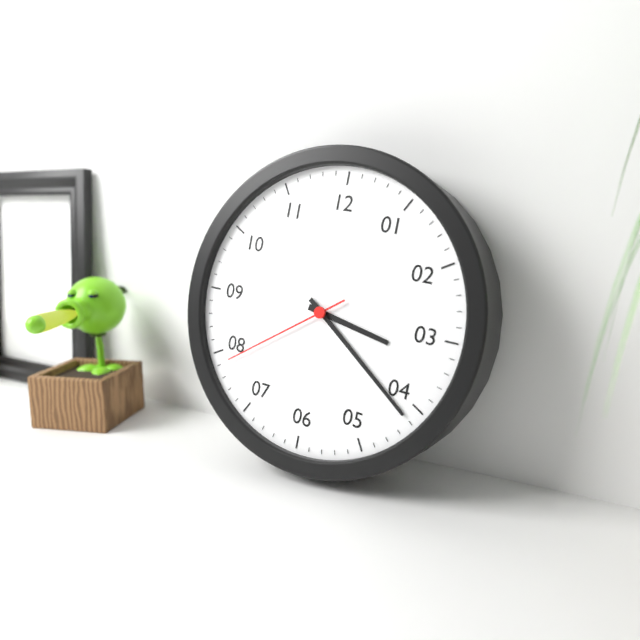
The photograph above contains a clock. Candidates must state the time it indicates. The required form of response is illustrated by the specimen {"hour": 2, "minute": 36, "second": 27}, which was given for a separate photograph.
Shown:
{"hour": 3, "minute": 21, "second": 39}
